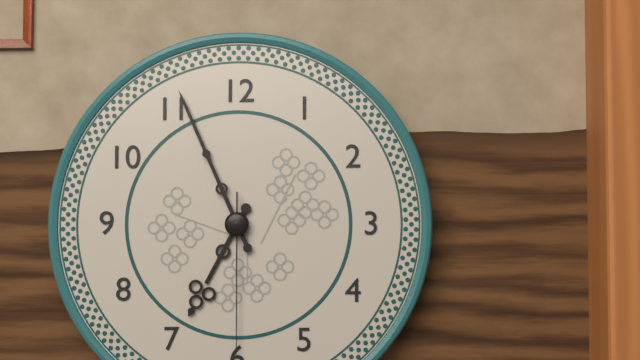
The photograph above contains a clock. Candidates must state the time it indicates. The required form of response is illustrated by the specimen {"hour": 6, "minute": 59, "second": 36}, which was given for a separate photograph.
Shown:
{"hour": 6, "minute": 56, "second": 30}
